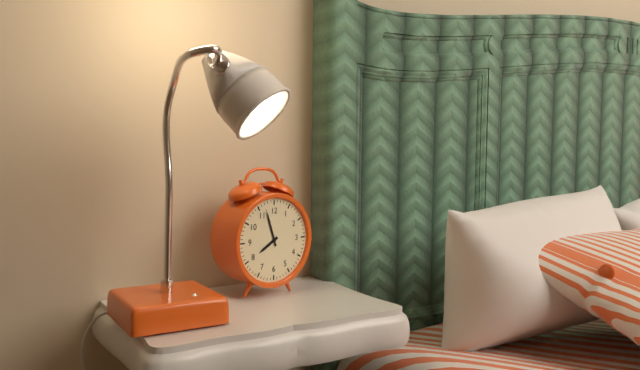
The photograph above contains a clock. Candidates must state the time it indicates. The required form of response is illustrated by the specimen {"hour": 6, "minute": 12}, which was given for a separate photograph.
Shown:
{"hour": 7, "minute": 57}
